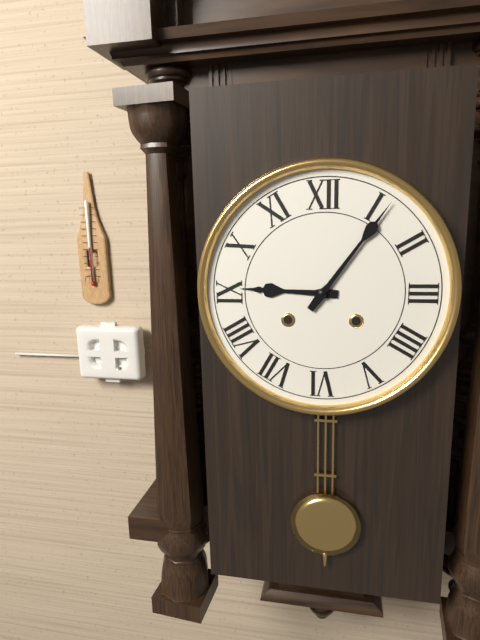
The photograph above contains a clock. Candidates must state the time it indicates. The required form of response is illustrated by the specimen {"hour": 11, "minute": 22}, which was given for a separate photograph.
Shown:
{"hour": 9, "minute": 6}
